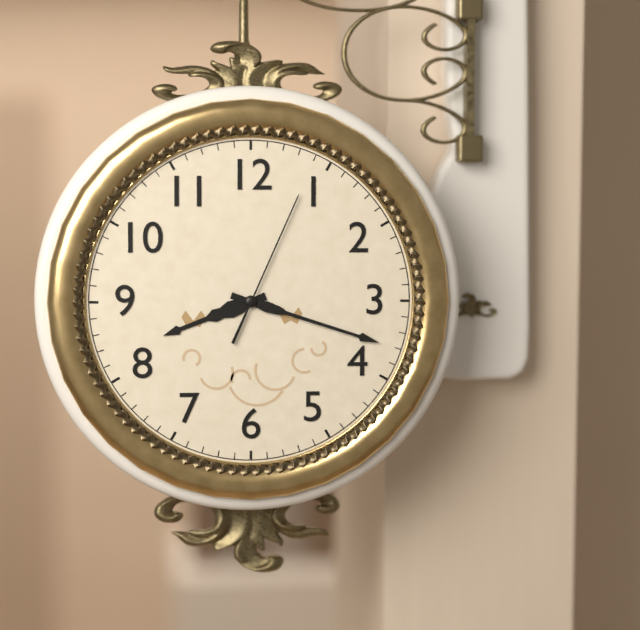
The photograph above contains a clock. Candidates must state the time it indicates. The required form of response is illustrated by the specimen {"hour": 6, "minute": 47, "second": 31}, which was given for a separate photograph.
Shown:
{"hour": 8, "minute": 18, "second": 4}
